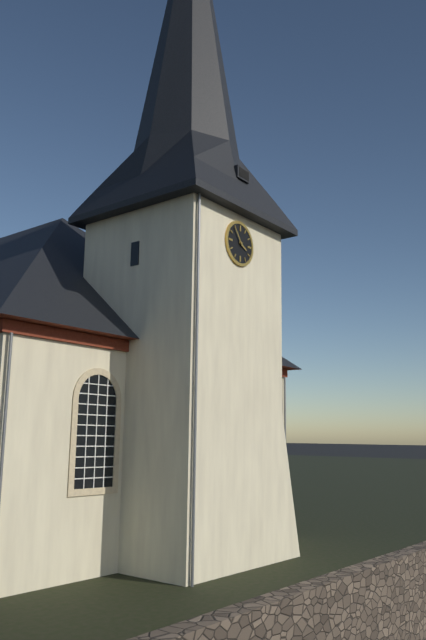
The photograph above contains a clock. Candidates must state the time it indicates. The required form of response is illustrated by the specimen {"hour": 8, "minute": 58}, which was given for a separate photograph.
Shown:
{"hour": 3, "minute": 54}
